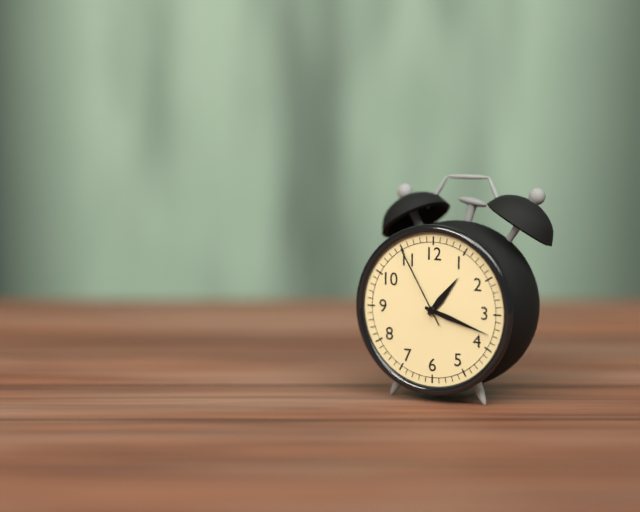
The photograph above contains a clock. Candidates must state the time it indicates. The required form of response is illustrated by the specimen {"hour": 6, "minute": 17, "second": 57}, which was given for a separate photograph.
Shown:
{"hour": 1, "minute": 18, "second": 55}
